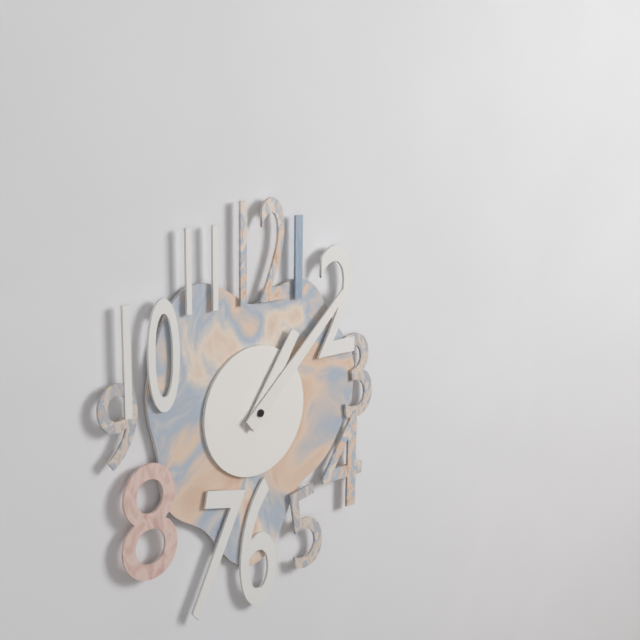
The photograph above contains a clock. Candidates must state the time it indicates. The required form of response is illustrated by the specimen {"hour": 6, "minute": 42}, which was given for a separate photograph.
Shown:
{"hour": 1, "minute": 8}
